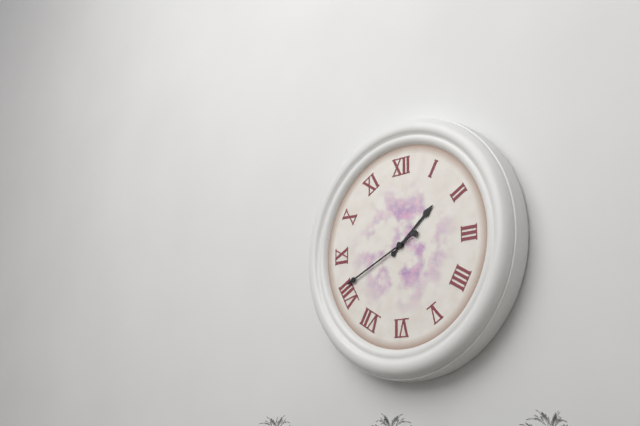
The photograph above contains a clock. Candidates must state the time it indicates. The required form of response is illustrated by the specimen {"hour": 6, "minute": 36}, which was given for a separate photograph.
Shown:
{"hour": 1, "minute": 41}
